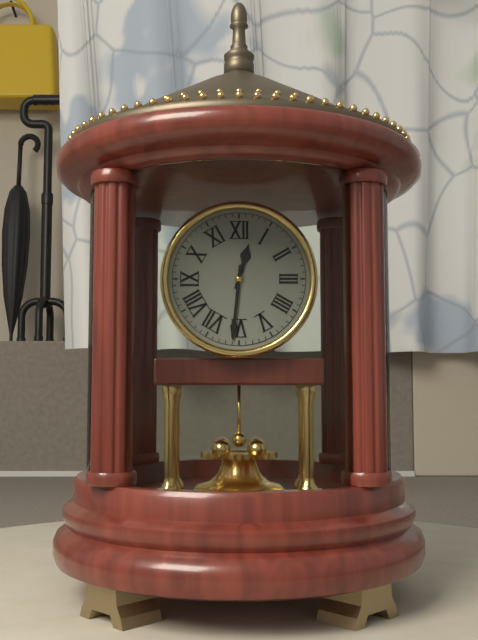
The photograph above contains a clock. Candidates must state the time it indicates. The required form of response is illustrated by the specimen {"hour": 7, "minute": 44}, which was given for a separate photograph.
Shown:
{"hour": 12, "minute": 31}
